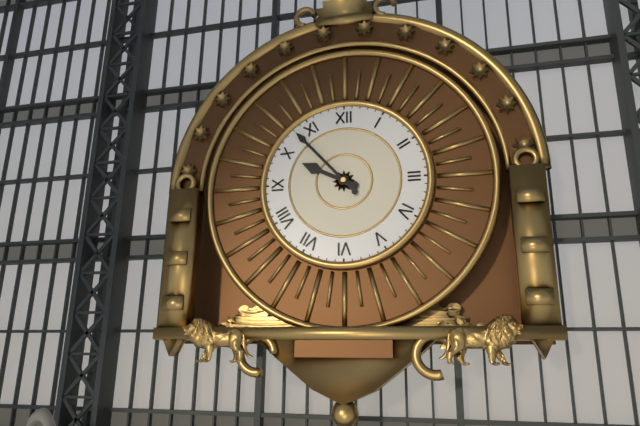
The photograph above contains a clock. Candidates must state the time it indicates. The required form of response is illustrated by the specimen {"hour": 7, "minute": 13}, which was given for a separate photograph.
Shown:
{"hour": 9, "minute": 53}
